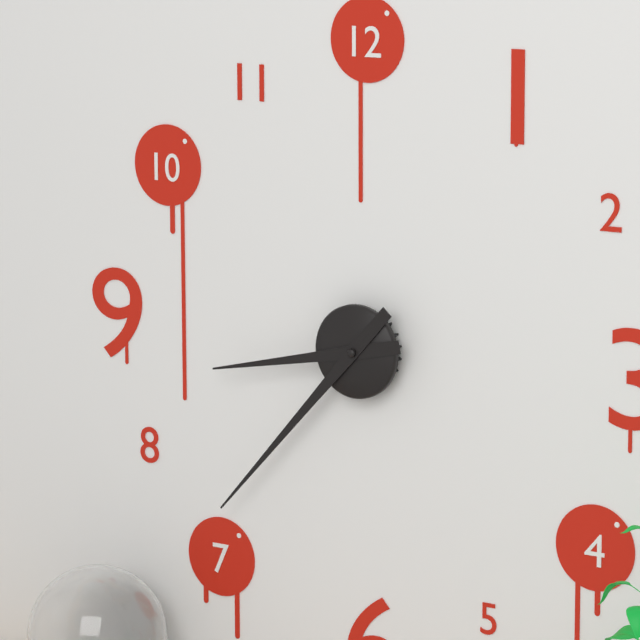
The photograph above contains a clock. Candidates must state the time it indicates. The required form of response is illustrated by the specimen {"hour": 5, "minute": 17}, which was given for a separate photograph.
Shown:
{"hour": 8, "minute": 37}
